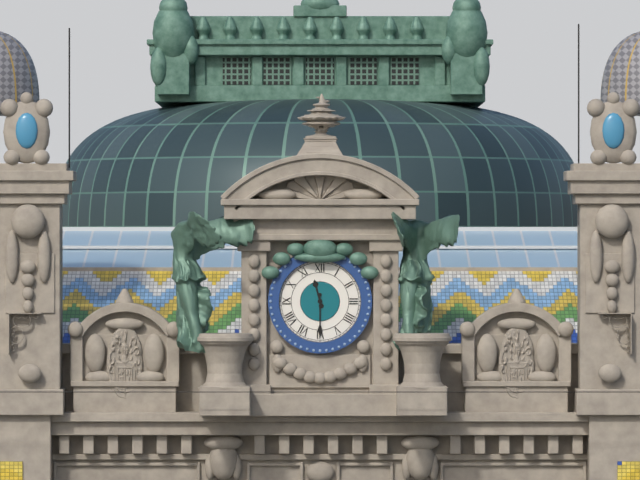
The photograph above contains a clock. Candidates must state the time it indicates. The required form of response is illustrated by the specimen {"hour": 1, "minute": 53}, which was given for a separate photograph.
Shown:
{"hour": 11, "minute": 30}
